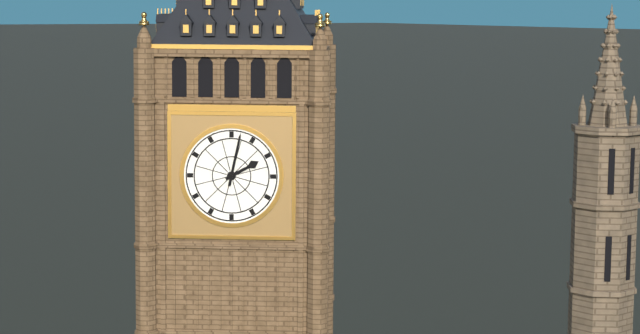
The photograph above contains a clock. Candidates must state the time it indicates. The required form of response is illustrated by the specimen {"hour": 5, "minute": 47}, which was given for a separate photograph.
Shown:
{"hour": 2, "minute": 2}
